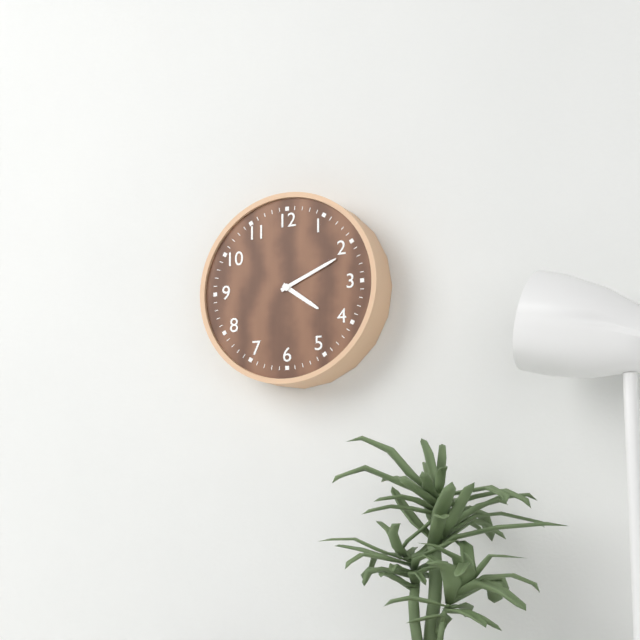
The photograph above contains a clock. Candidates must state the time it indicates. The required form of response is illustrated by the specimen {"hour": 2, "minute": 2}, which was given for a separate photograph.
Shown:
{"hour": 4, "minute": 11}
